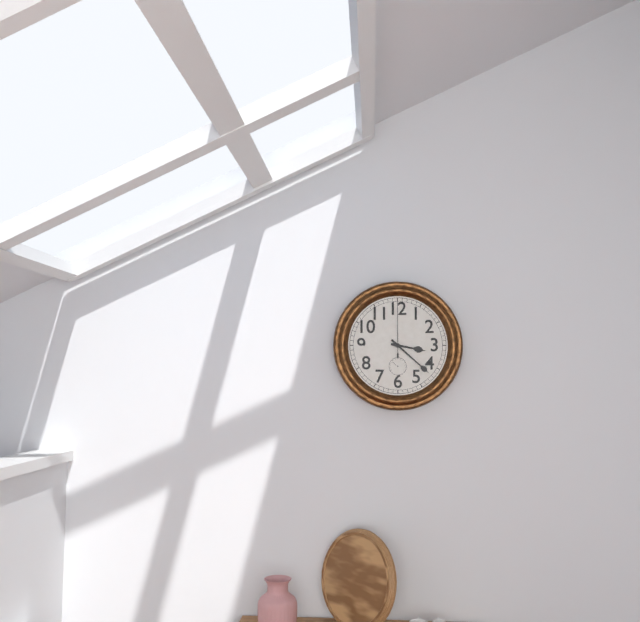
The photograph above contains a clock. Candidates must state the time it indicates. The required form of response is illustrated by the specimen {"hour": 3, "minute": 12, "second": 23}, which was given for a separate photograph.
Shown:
{"hour": 3, "minute": 22, "second": 0}
